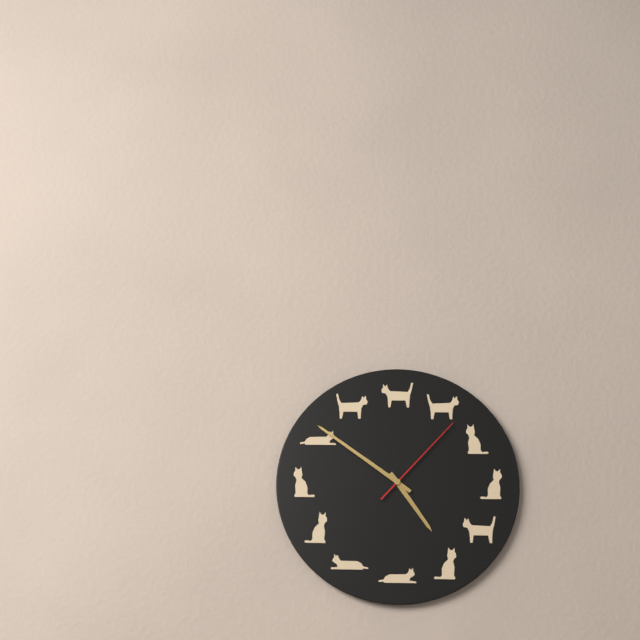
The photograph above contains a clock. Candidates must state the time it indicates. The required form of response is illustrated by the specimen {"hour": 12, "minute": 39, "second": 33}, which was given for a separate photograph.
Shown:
{"hour": 4, "minute": 51, "second": 7}
